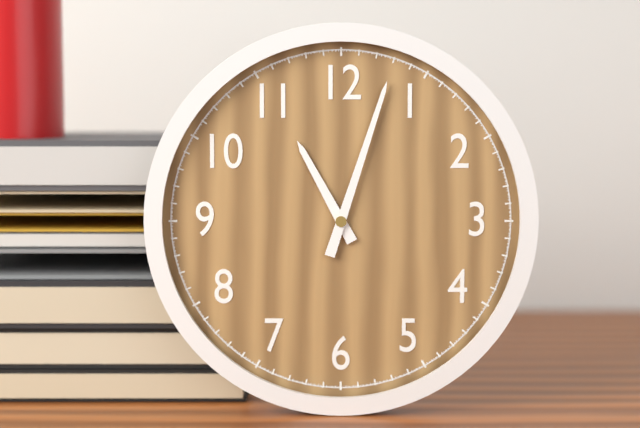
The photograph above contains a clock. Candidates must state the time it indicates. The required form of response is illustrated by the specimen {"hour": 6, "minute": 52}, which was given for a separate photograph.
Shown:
{"hour": 11, "minute": 3}
